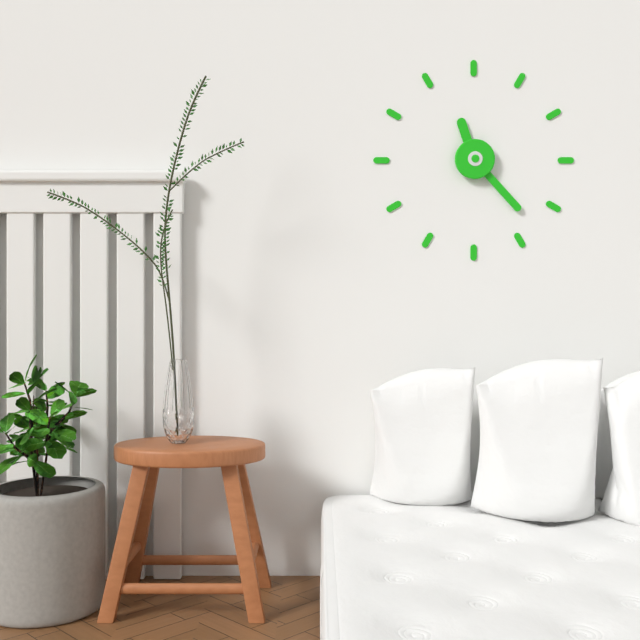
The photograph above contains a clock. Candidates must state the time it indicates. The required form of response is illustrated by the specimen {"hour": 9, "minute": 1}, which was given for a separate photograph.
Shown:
{"hour": 11, "minute": 23}
